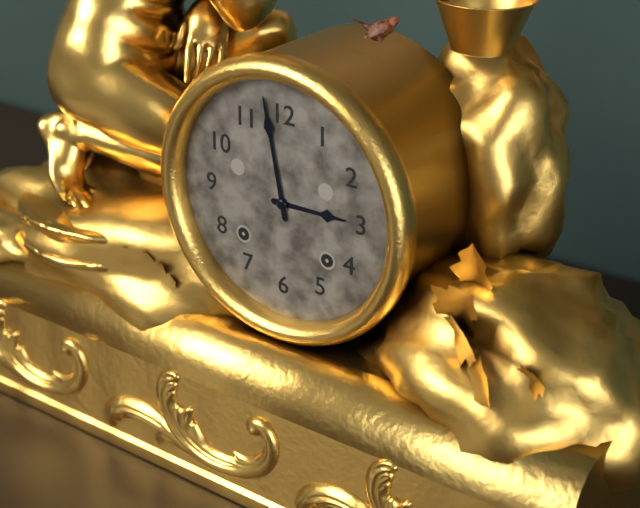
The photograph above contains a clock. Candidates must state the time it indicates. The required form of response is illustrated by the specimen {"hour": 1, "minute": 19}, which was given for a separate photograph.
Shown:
{"hour": 2, "minute": 58}
